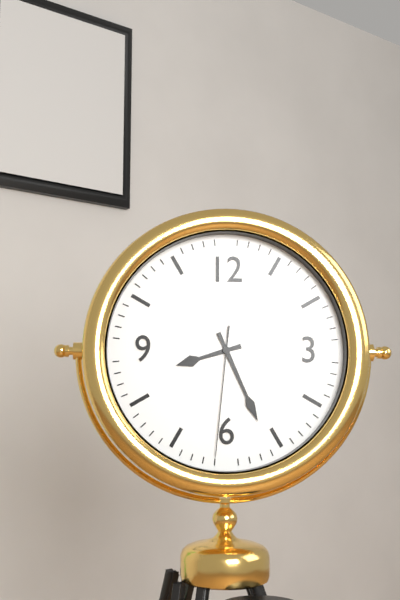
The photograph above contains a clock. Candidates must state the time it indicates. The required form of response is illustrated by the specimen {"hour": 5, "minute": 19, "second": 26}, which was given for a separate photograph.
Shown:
{"hour": 8, "minute": 26, "second": 31}
